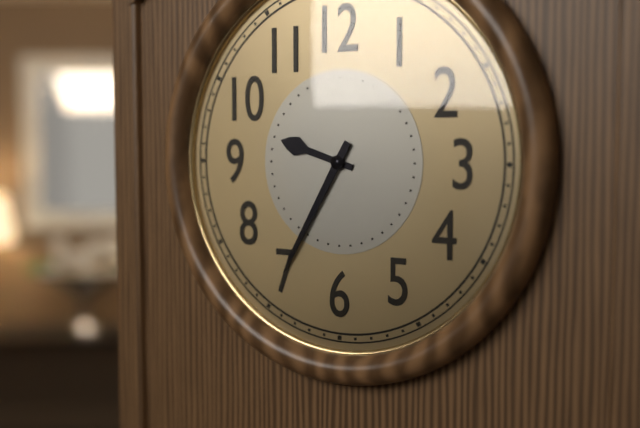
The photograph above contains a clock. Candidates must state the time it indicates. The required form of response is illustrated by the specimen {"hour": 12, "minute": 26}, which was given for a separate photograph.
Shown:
{"hour": 9, "minute": 35}
